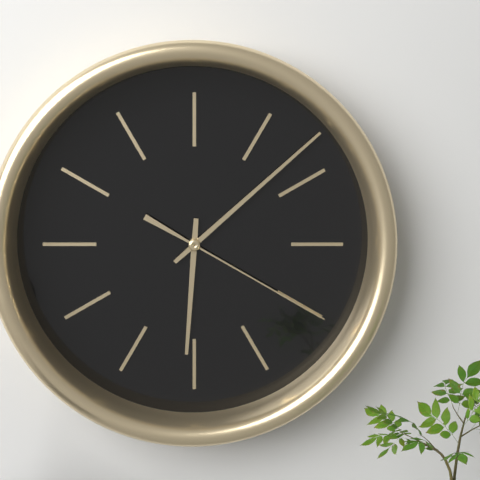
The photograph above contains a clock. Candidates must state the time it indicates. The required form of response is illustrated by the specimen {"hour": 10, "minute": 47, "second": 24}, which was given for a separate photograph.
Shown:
{"hour": 6, "minute": 8, "second": 20}
